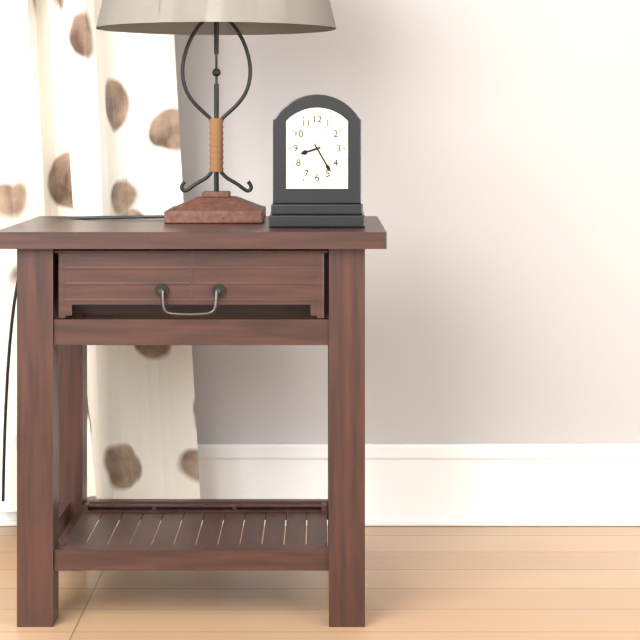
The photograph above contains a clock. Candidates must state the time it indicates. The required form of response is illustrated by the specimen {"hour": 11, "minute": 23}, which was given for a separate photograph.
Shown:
{"hour": 8, "minute": 25}
